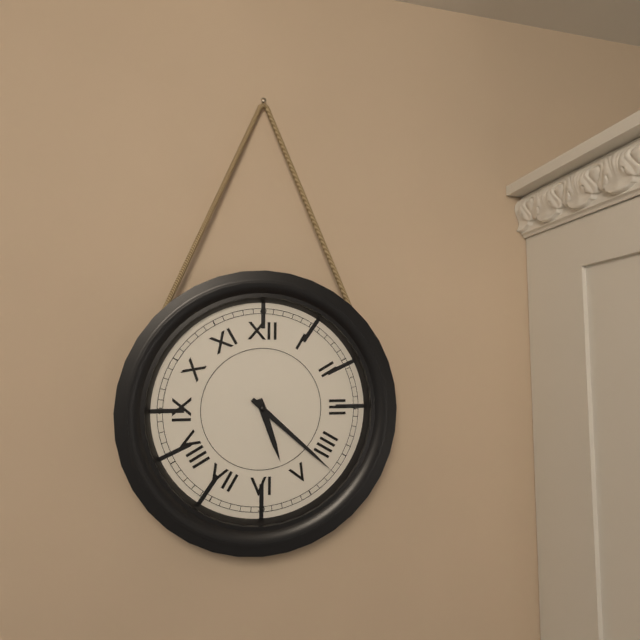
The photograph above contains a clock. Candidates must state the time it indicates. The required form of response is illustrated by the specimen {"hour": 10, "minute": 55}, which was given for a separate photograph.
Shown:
{"hour": 5, "minute": 22}
